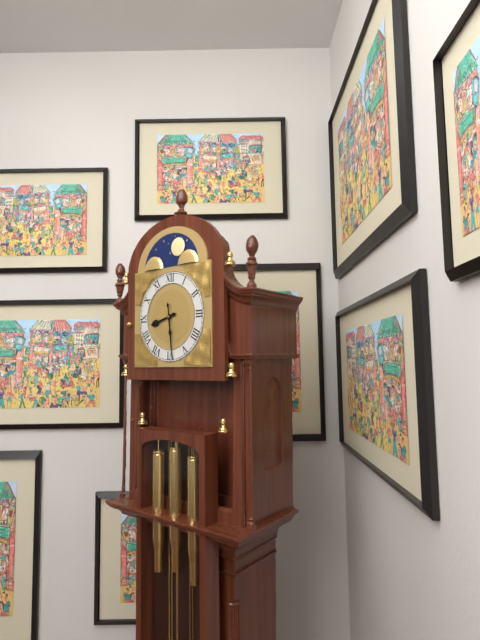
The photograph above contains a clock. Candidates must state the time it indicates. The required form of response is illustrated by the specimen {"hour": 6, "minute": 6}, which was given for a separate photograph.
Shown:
{"hour": 8, "minute": 29}
